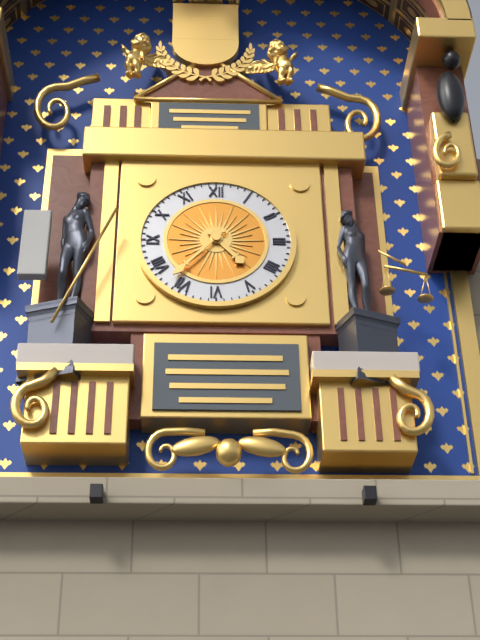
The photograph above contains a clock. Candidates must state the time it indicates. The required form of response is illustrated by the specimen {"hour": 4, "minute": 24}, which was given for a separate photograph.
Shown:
{"hour": 4, "minute": 37}
